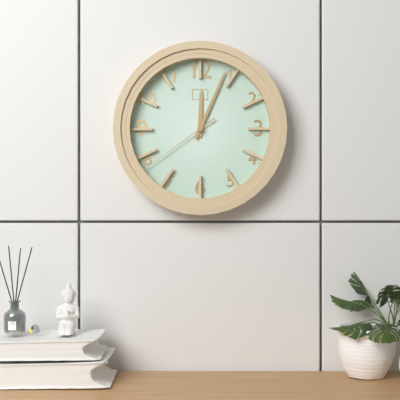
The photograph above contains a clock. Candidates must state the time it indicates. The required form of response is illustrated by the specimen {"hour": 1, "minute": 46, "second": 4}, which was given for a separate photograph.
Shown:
{"hour": 12, "minute": 4, "second": 39}
